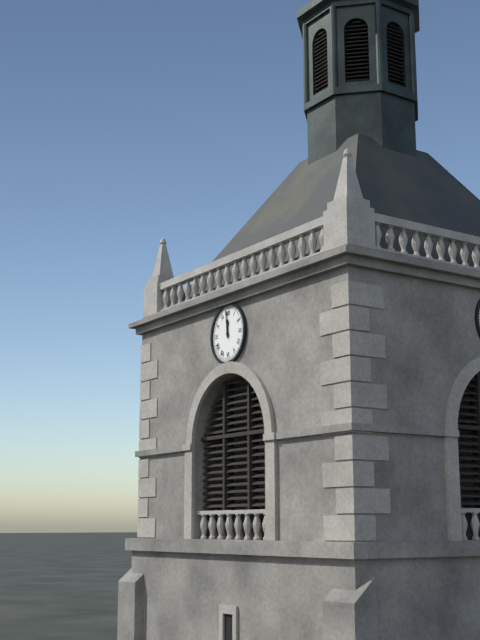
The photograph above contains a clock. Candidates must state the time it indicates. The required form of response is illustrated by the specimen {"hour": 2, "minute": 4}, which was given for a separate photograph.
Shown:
{"hour": 11, "minute": 59}
